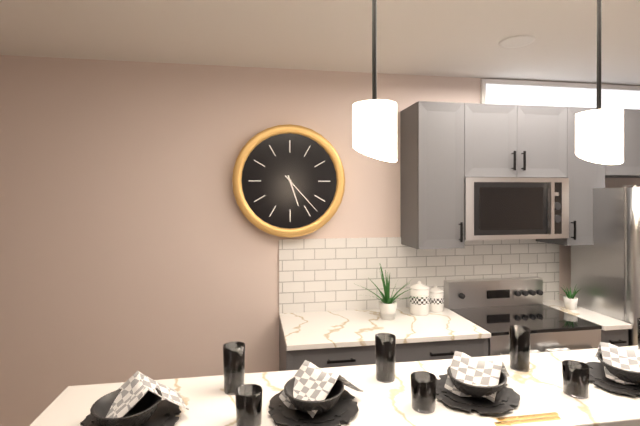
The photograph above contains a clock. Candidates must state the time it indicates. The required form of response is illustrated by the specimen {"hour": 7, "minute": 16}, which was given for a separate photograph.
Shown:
{"hour": 5, "minute": 23}
